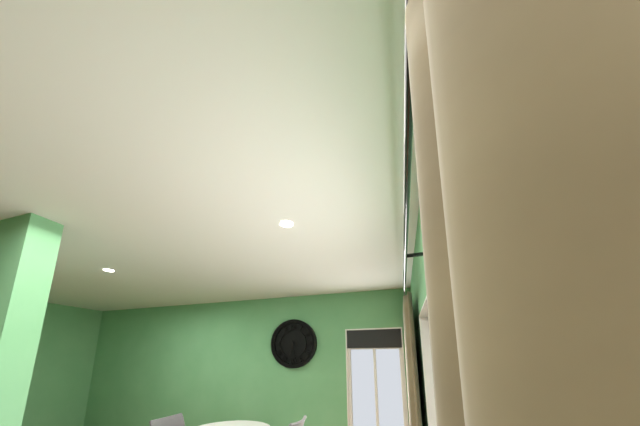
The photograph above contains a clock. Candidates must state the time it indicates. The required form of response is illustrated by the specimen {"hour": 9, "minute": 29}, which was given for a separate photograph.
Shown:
{"hour": 6, "minute": 28}
